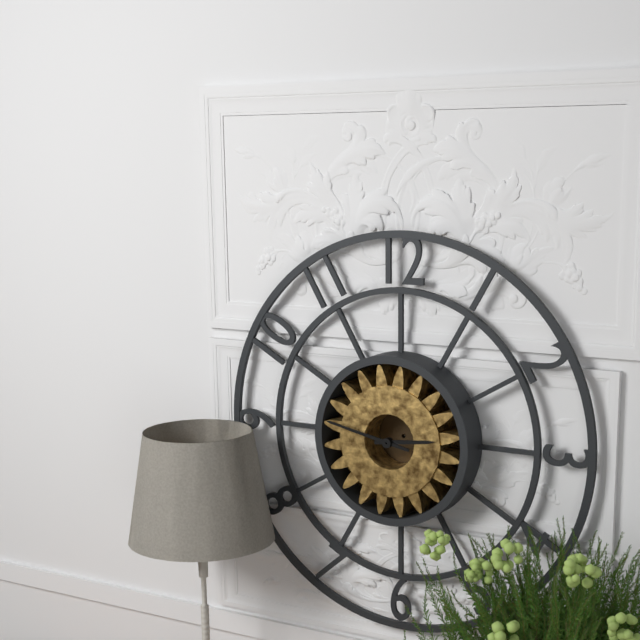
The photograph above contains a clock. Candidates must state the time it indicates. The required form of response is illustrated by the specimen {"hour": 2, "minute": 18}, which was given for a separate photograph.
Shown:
{"hour": 2, "minute": 47}
